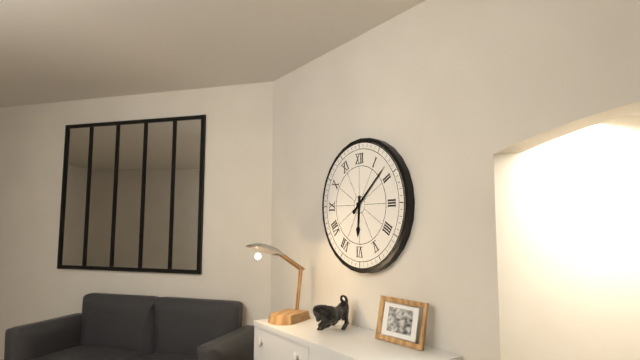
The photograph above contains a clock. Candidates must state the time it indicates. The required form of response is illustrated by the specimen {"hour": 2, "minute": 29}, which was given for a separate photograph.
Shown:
{"hour": 6, "minute": 8}
